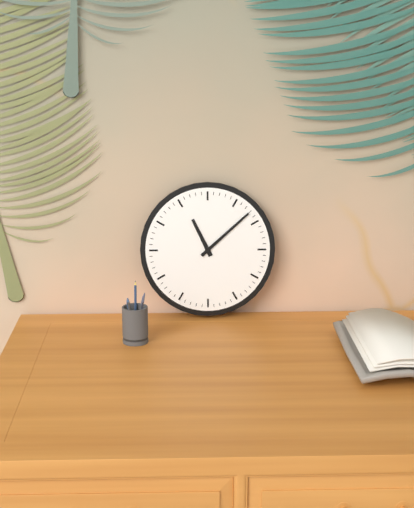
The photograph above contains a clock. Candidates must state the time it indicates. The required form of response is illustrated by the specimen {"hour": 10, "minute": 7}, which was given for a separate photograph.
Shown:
{"hour": 11, "minute": 8}
